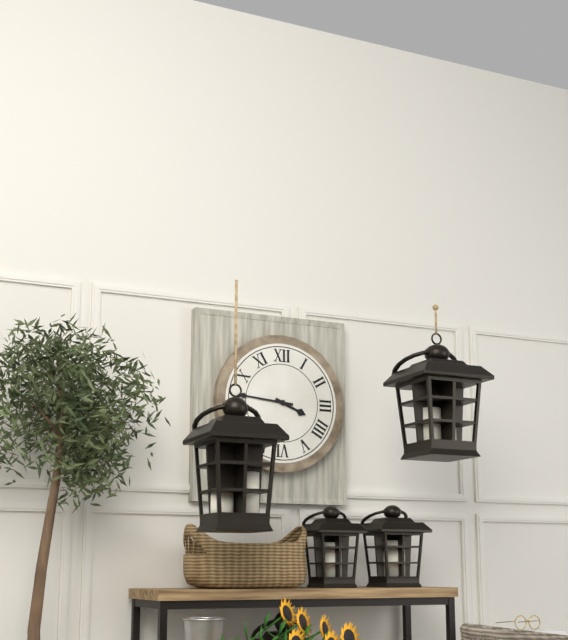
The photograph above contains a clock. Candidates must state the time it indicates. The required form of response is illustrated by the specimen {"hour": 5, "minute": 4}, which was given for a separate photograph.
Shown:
{"hour": 3, "minute": 46}
